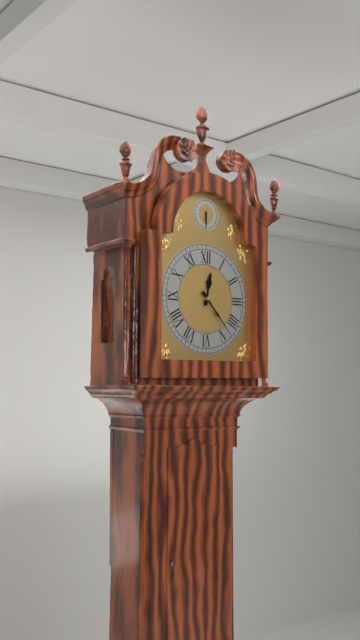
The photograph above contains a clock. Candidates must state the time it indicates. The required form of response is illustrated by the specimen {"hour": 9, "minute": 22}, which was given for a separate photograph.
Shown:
{"hour": 12, "minute": 23}
